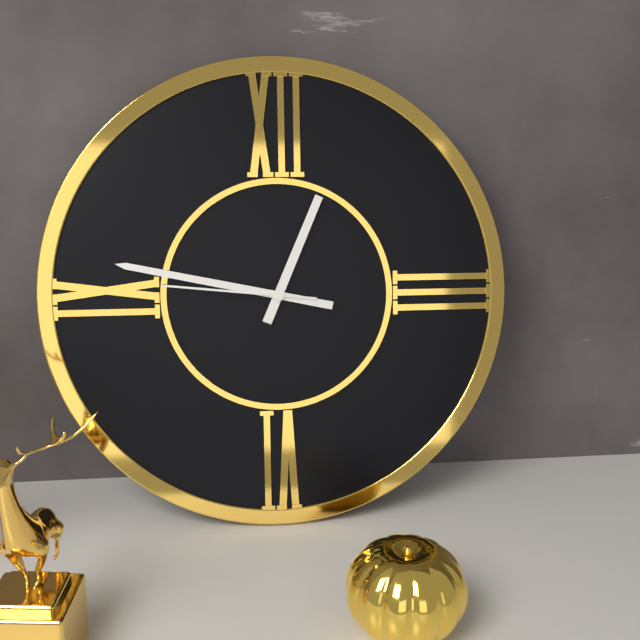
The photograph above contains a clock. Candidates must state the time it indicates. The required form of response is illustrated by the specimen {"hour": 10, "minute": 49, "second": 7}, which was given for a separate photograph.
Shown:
{"hour": 12, "minute": 47, "second": 46}
